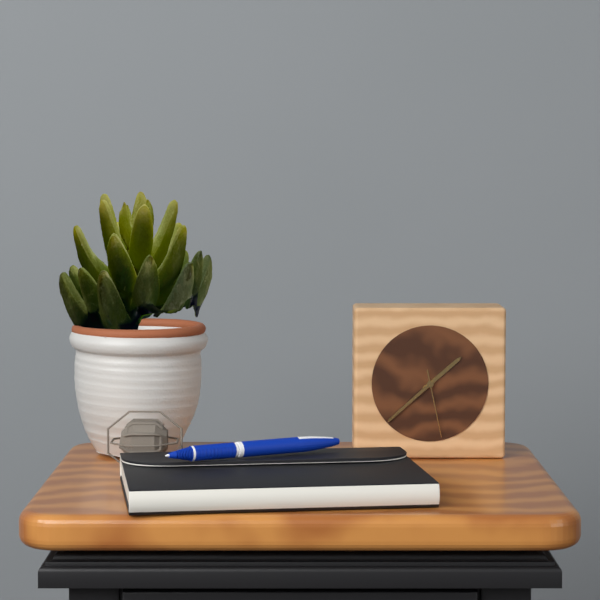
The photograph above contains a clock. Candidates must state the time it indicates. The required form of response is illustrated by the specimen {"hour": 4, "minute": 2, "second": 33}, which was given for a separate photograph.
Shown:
{"hour": 1, "minute": 38, "second": 28}
